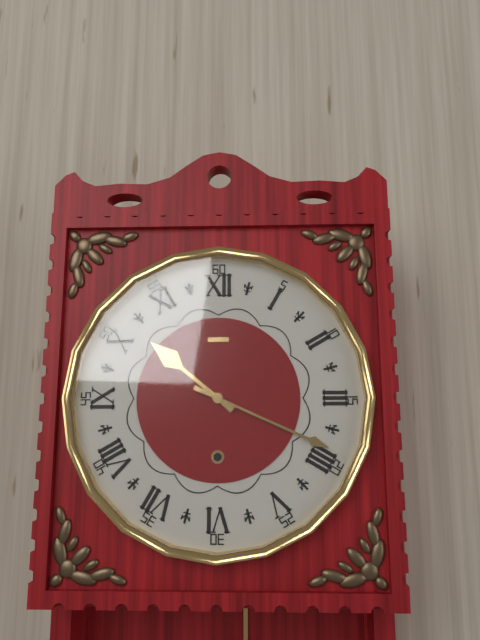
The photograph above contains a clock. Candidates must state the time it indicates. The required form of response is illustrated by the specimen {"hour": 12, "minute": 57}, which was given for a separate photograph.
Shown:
{"hour": 10, "minute": 19}
